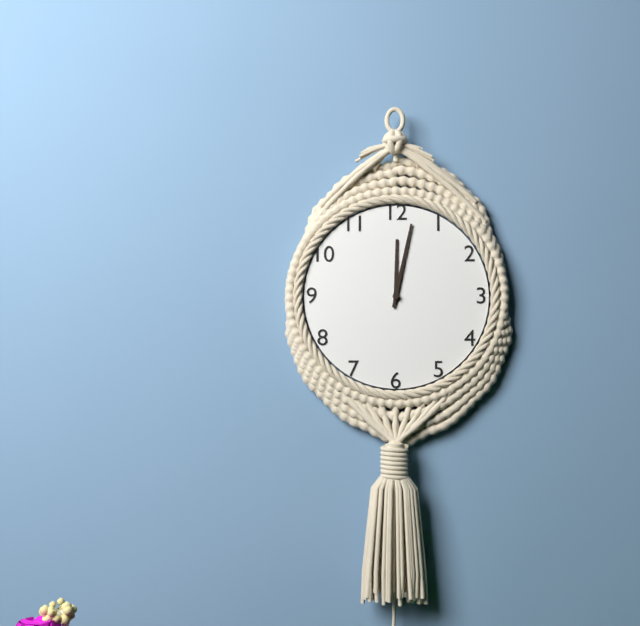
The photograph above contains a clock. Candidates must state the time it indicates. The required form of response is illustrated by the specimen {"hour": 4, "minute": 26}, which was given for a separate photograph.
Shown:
{"hour": 12, "minute": 2}
